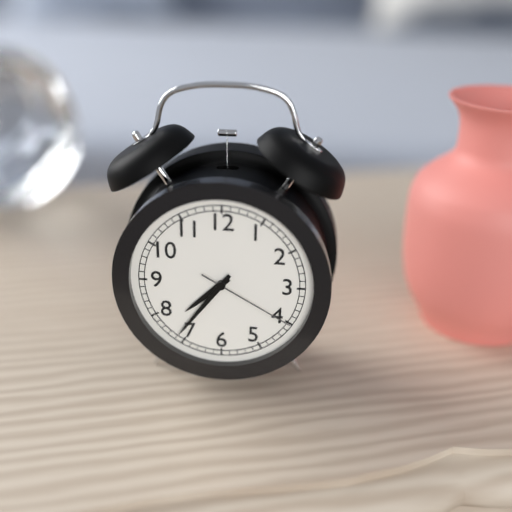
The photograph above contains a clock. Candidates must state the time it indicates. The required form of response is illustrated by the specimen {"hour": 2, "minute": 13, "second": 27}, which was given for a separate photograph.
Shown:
{"hour": 7, "minute": 36, "second": 20}
